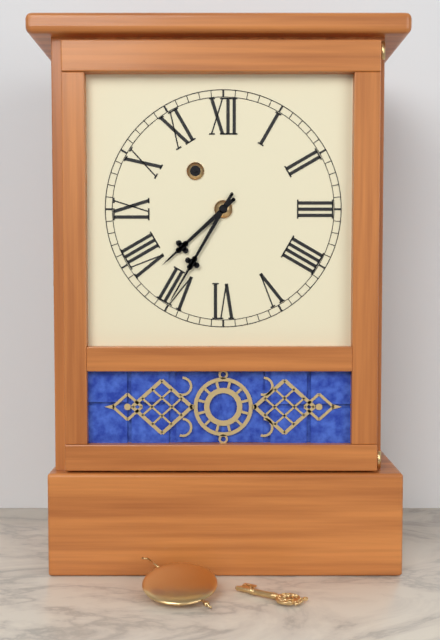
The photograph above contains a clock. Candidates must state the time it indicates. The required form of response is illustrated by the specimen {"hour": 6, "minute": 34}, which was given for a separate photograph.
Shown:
{"hour": 7, "minute": 35}
